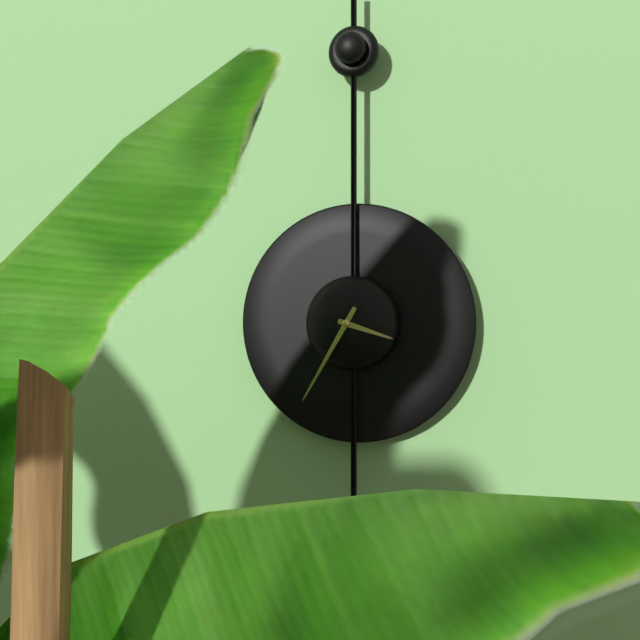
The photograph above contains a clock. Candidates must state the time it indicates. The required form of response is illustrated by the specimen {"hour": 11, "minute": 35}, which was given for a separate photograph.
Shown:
{"hour": 3, "minute": 35}
